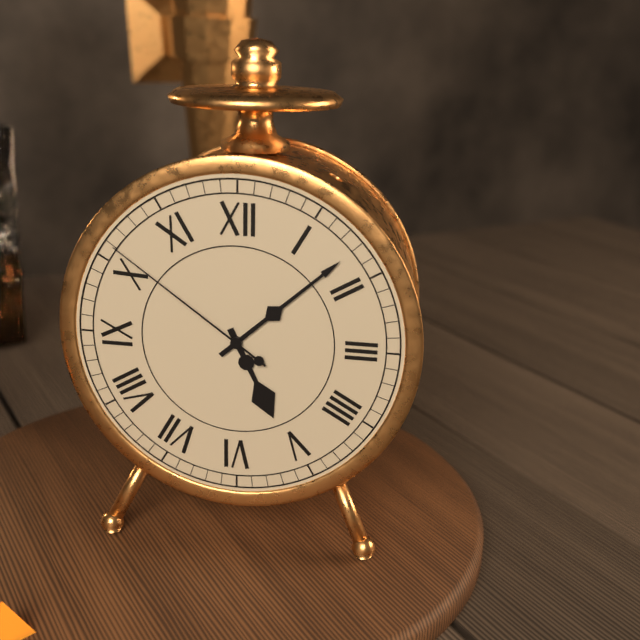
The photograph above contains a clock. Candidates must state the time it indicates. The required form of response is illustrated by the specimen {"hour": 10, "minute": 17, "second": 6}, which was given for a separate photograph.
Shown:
{"hour": 5, "minute": 8, "second": 51}
